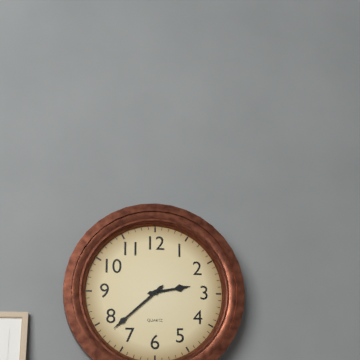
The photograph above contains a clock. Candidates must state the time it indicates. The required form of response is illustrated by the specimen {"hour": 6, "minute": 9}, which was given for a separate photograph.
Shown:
{"hour": 2, "minute": 38}
